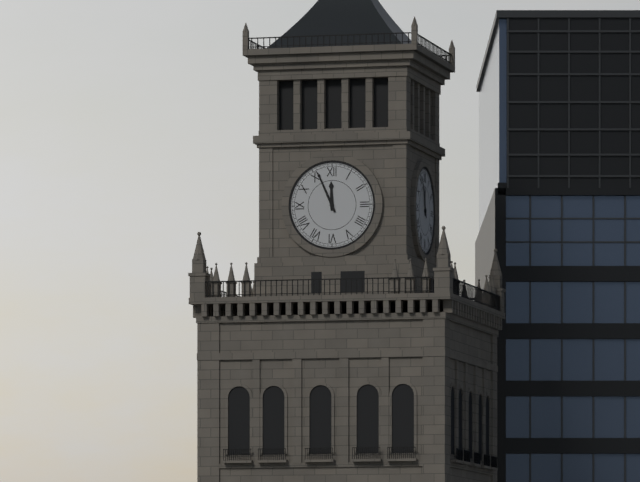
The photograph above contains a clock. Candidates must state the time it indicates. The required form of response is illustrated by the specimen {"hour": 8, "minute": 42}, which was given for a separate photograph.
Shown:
{"hour": 11, "minute": 56}
